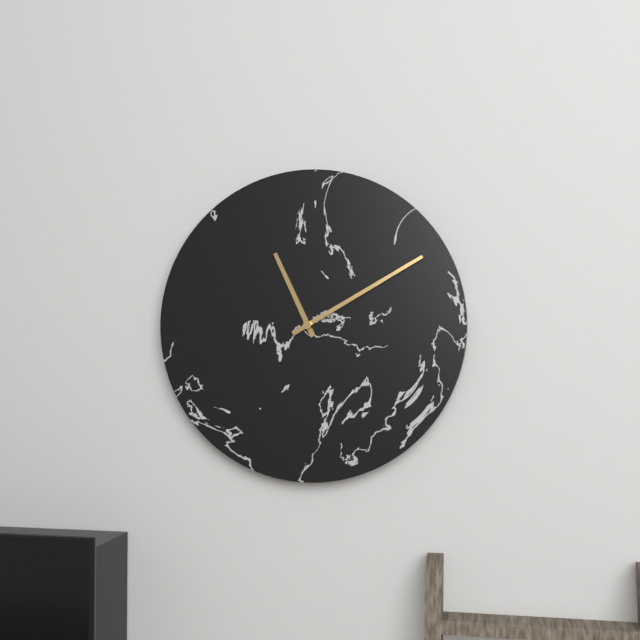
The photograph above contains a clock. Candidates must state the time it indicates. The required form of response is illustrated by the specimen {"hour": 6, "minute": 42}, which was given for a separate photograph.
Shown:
{"hour": 11, "minute": 10}
